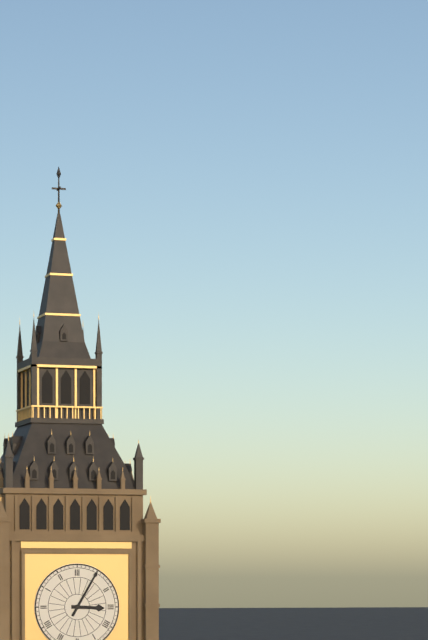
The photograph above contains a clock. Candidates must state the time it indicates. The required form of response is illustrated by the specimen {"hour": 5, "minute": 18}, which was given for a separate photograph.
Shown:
{"hour": 3, "minute": 5}
